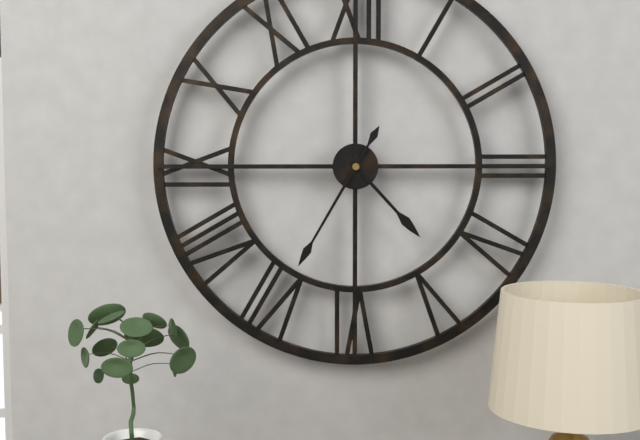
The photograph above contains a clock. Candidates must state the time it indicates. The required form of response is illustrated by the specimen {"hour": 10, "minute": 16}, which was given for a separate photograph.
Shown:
{"hour": 4, "minute": 35}
